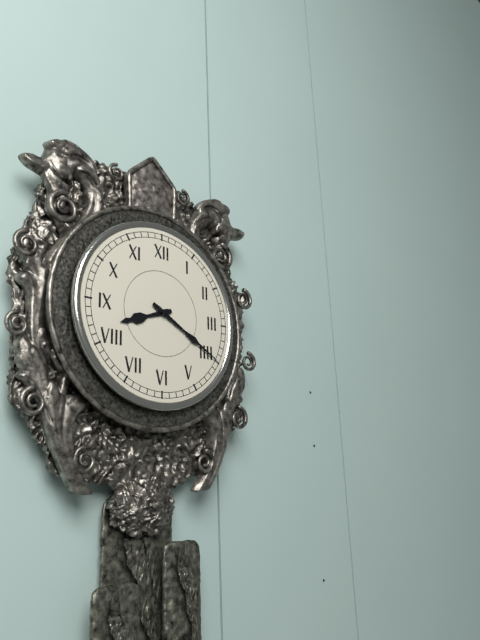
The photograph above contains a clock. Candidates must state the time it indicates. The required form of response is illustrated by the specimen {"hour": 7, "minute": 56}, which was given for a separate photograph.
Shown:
{"hour": 8, "minute": 20}
